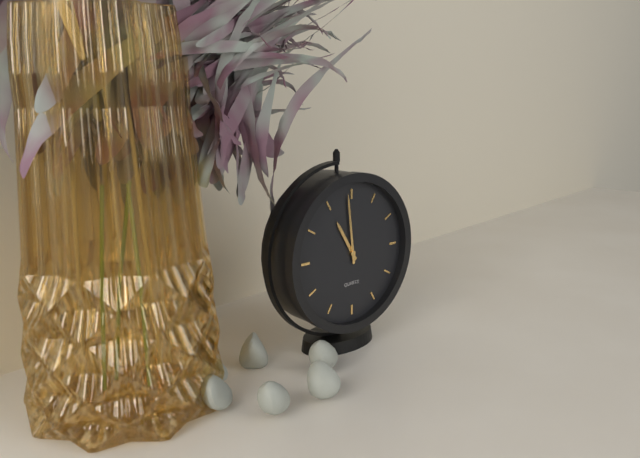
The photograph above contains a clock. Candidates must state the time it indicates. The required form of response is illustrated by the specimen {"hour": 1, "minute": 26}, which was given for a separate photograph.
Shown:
{"hour": 10, "minute": 59}
